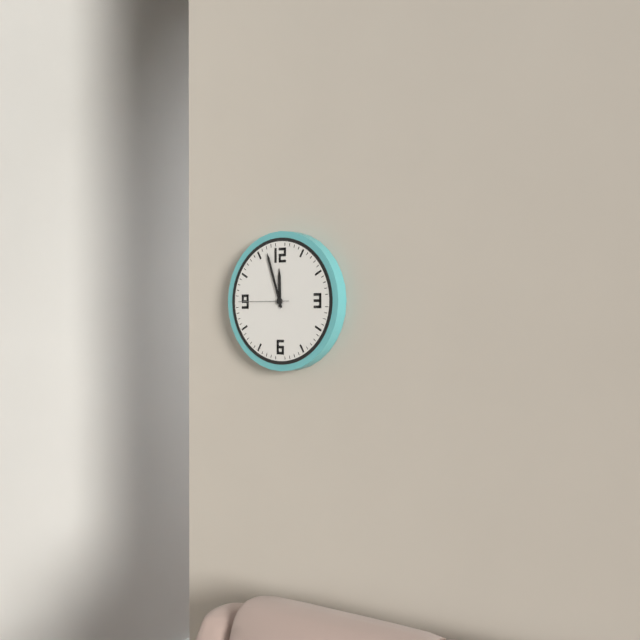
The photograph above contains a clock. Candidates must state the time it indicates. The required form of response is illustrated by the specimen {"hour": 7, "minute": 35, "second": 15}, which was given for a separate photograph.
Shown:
{"hour": 11, "minute": 57, "second": 45}
